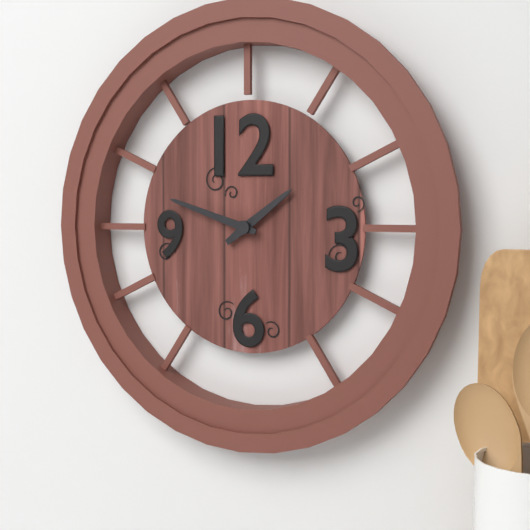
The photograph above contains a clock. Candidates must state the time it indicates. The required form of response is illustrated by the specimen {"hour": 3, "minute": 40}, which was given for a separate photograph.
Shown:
{"hour": 1, "minute": 48}
